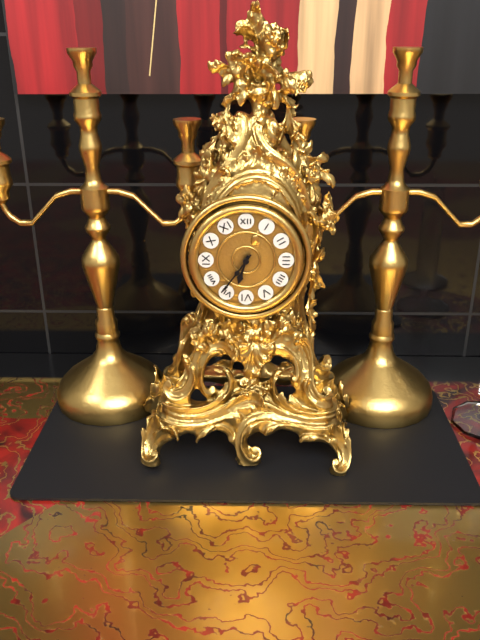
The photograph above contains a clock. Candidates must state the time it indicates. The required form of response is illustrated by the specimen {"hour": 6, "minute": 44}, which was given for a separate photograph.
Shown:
{"hour": 6, "minute": 36}
